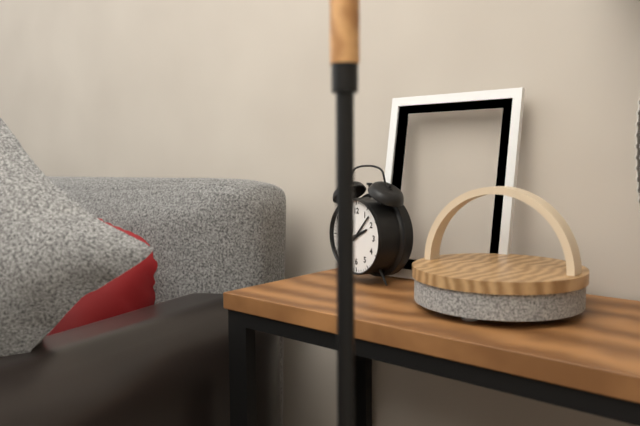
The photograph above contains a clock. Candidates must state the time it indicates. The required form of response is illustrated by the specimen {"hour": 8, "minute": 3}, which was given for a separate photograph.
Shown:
{"hour": 2, "minute": 7}
